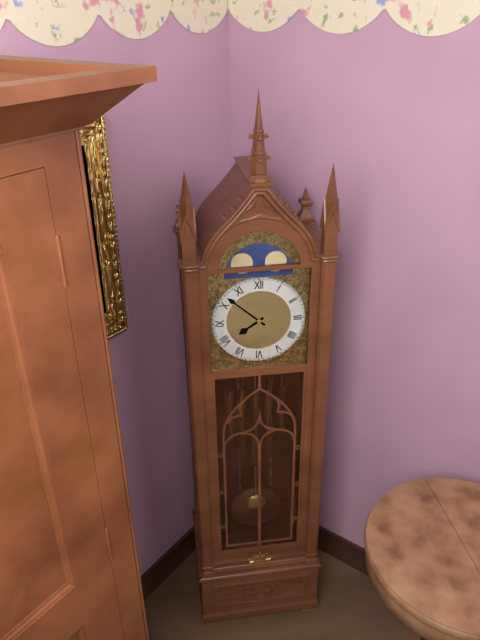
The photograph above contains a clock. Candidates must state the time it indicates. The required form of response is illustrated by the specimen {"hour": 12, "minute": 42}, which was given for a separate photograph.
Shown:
{"hour": 7, "minute": 52}
